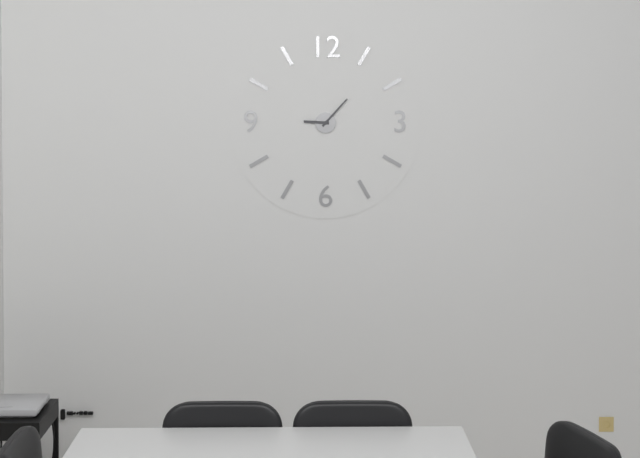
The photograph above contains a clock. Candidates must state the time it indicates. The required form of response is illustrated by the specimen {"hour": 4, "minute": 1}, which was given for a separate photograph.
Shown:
{"hour": 9, "minute": 7}
